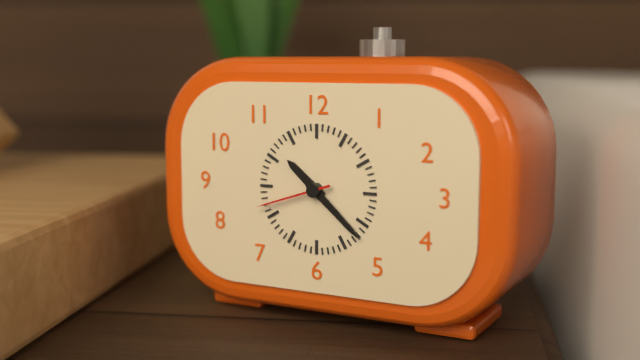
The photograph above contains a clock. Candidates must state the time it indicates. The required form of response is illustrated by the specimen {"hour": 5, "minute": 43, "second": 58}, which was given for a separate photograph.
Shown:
{"hour": 10, "minute": 22, "second": 42}
